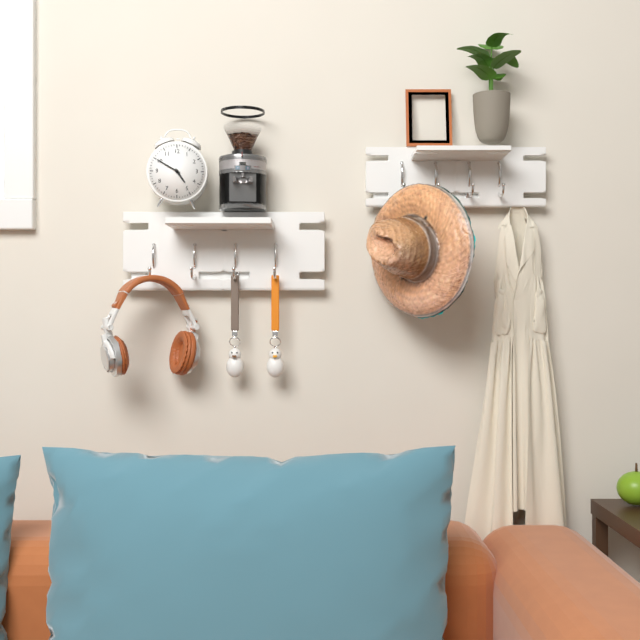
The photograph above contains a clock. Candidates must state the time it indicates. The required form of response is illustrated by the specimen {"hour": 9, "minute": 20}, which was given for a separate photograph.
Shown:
{"hour": 4, "minute": 50}
